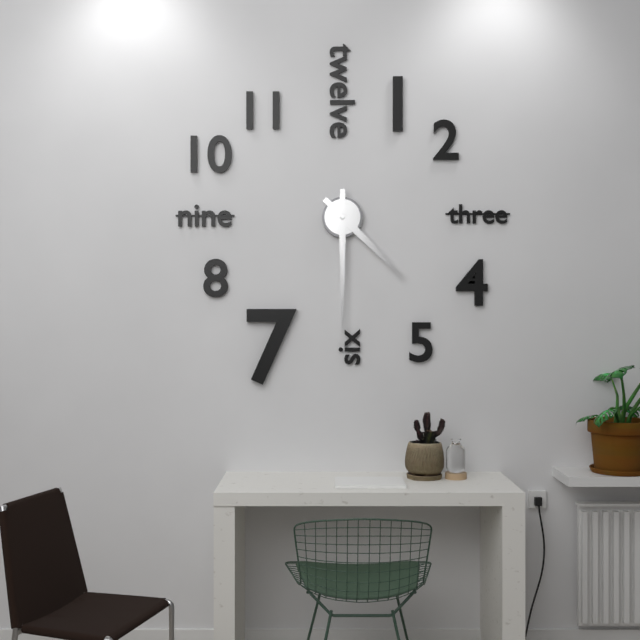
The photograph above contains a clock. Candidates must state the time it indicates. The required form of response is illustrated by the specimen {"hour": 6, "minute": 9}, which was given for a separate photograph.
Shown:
{"hour": 4, "minute": 30}
